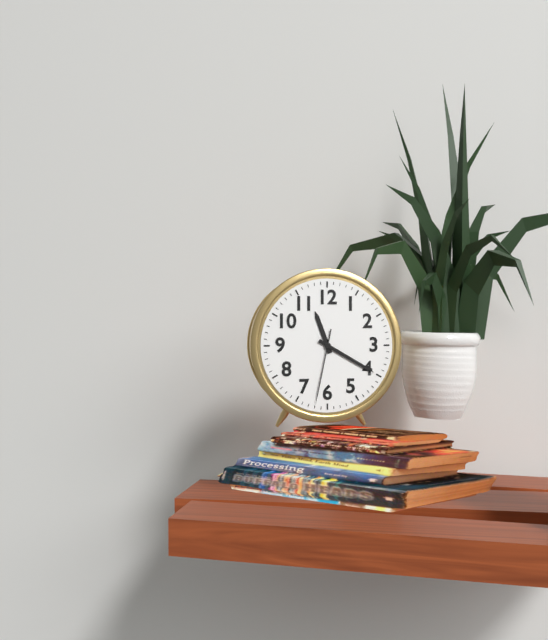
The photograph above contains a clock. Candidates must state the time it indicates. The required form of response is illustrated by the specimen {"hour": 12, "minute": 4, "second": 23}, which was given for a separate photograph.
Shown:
{"hour": 11, "minute": 20, "second": 32}
